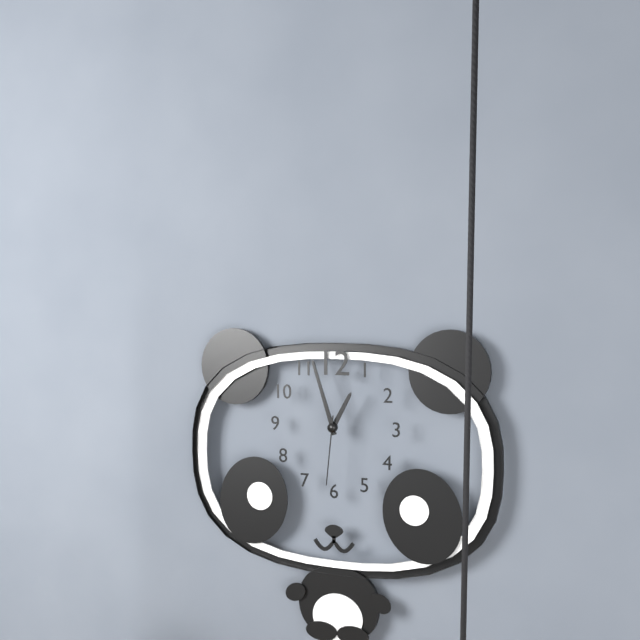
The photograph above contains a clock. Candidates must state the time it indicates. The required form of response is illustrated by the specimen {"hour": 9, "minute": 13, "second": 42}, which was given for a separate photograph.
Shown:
{"hour": 12, "minute": 57, "second": 31}
